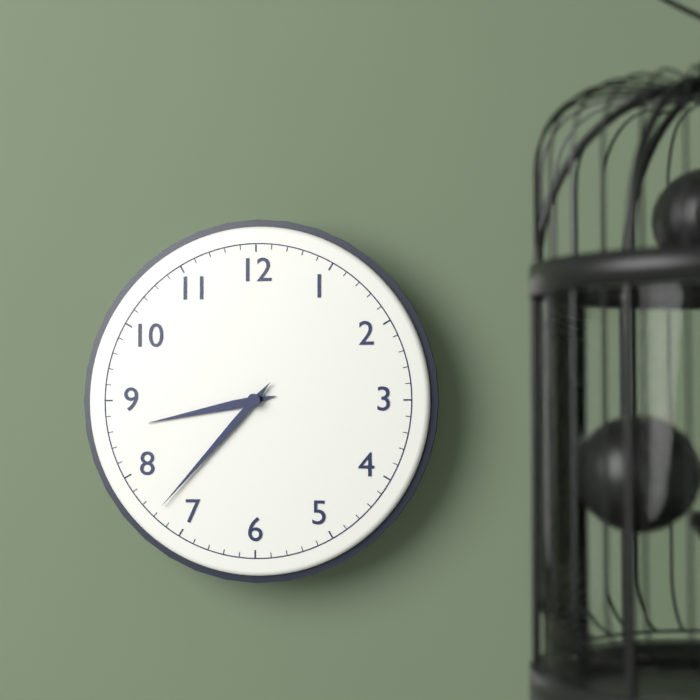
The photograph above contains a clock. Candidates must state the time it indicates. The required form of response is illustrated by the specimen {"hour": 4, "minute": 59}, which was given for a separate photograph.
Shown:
{"hour": 8, "minute": 37}
